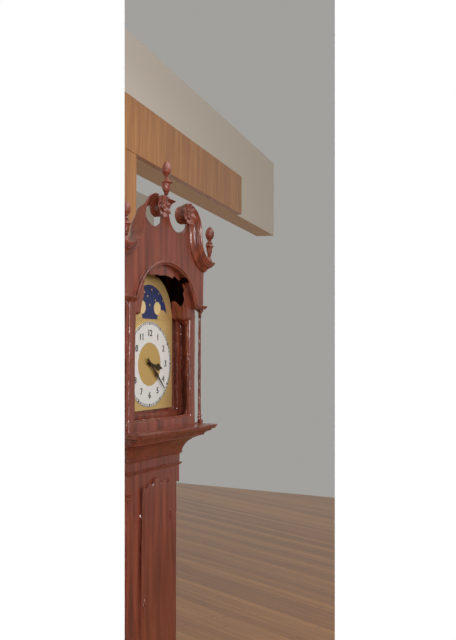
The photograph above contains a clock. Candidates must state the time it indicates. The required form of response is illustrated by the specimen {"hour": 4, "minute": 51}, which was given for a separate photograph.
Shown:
{"hour": 3, "minute": 22}
